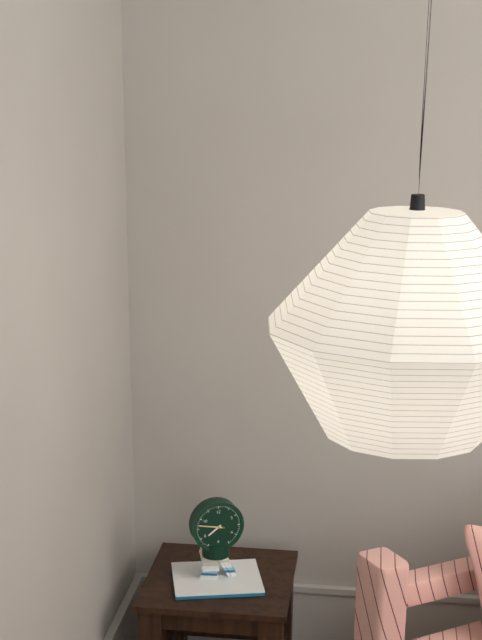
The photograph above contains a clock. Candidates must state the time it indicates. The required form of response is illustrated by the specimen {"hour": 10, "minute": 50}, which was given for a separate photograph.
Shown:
{"hour": 7, "minute": 47}
